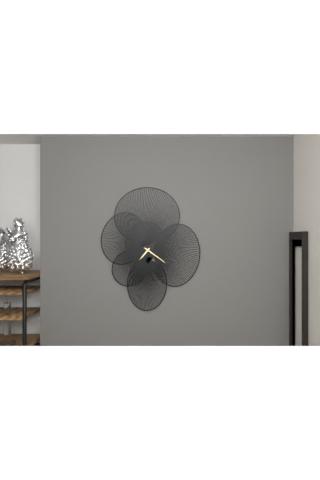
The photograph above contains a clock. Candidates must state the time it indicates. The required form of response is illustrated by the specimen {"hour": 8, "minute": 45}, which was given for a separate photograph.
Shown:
{"hour": 7, "minute": 21}
